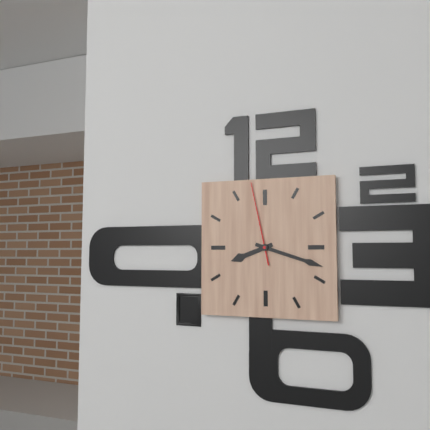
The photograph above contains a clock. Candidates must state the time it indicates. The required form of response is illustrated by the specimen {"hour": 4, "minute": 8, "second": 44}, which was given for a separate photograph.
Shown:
{"hour": 8, "minute": 18, "second": 58}
